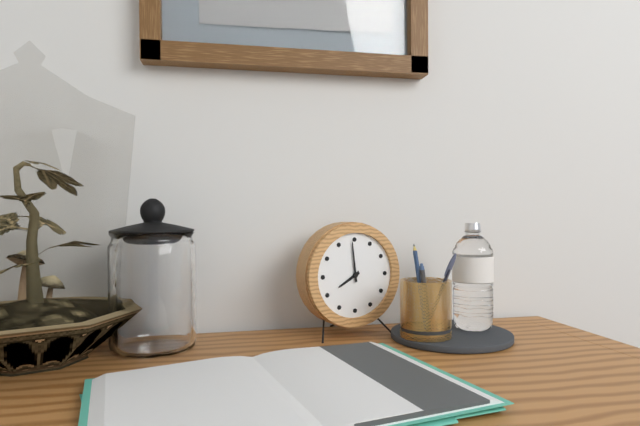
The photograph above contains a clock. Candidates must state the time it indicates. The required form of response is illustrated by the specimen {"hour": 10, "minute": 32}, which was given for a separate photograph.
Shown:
{"hour": 7, "minute": 59}
